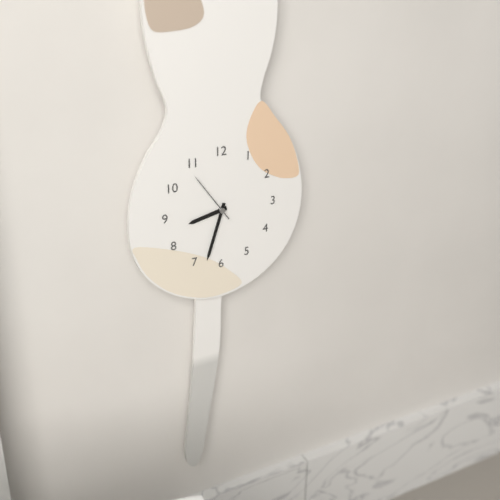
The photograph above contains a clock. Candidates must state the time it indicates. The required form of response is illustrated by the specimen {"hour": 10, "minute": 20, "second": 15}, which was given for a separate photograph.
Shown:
{"hour": 8, "minute": 33, "second": 54}
